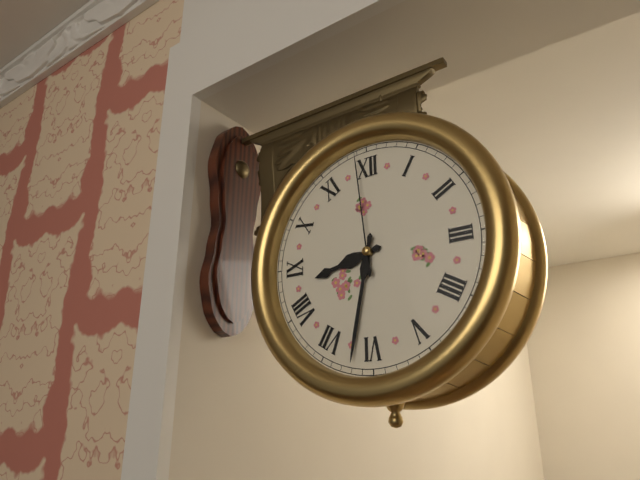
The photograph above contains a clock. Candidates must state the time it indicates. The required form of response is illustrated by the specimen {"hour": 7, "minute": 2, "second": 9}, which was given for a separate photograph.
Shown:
{"hour": 8, "minute": 32, "second": 59}
